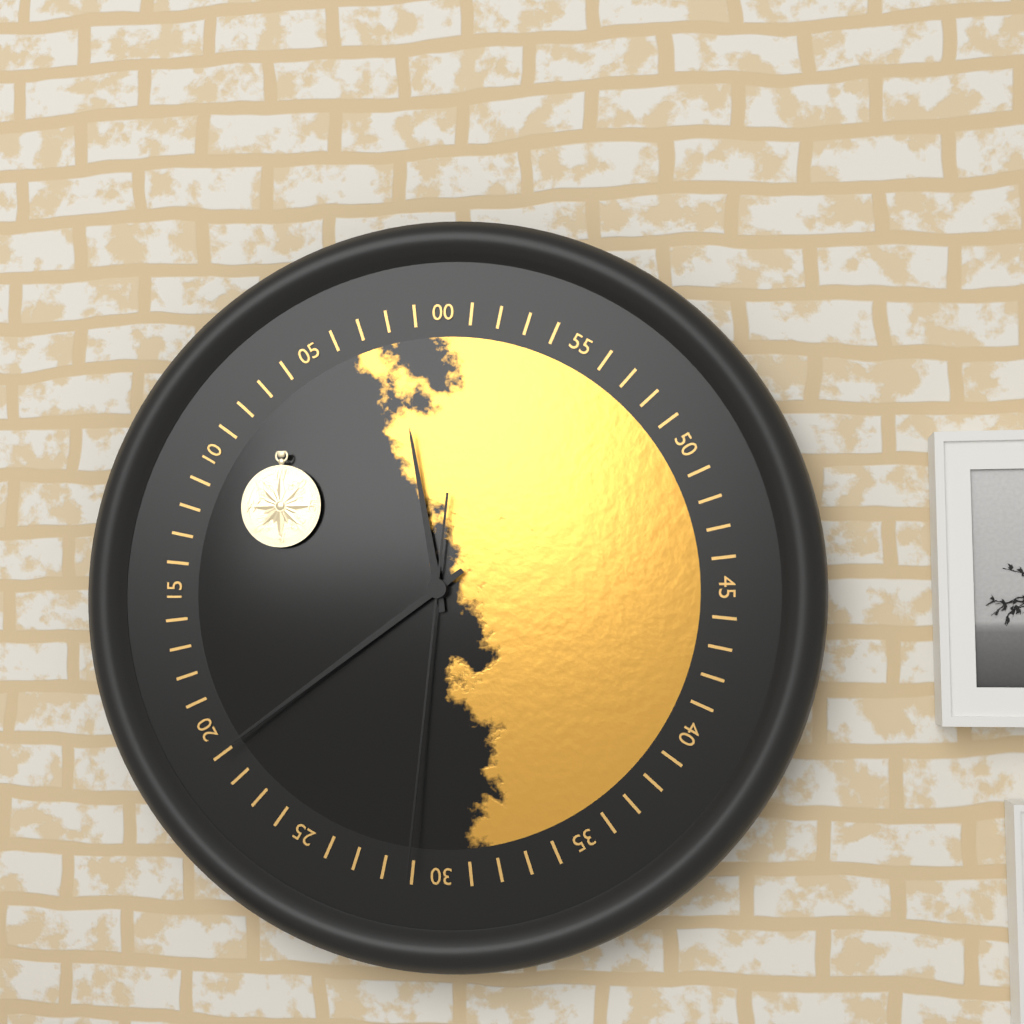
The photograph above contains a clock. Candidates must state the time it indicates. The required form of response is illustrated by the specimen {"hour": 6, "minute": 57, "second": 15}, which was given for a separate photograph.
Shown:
{"hour": 11, "minute": 39, "second": 31}
